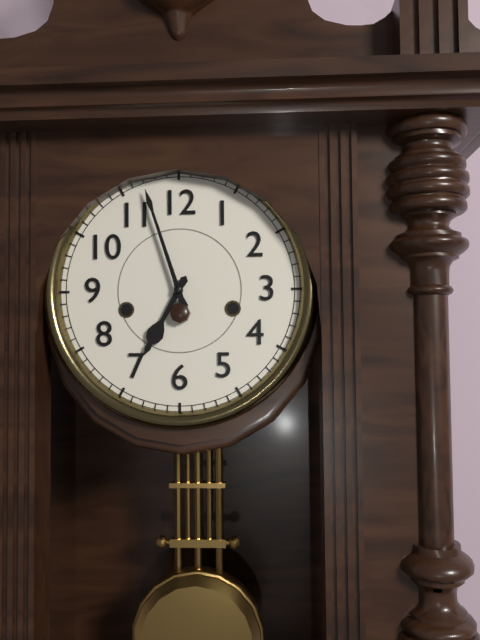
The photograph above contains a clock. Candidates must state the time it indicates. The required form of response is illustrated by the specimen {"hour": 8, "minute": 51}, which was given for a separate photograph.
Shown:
{"hour": 6, "minute": 57}
